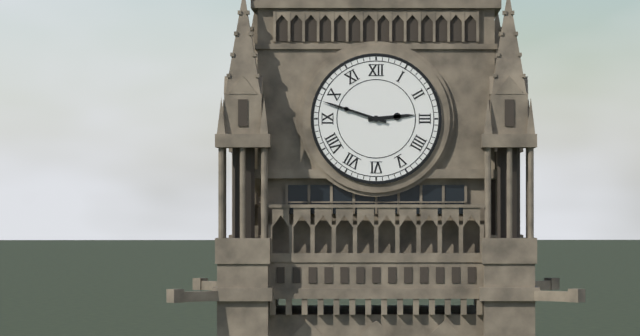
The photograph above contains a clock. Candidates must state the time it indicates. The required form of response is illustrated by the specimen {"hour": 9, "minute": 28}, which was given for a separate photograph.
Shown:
{"hour": 2, "minute": 48}
